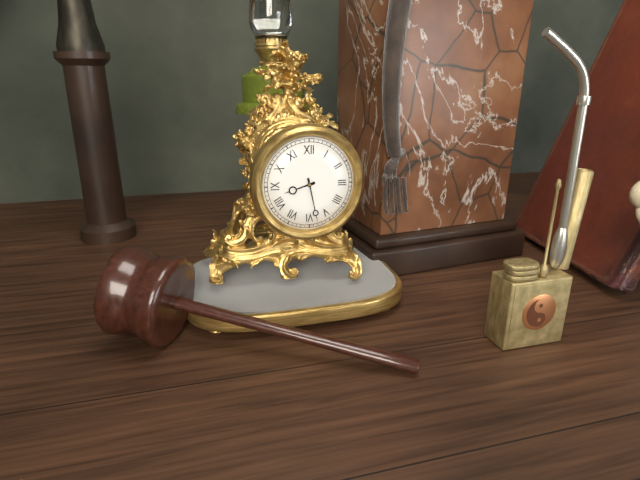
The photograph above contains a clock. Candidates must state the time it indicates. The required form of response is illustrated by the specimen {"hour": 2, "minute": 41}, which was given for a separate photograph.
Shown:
{"hour": 8, "minute": 28}
